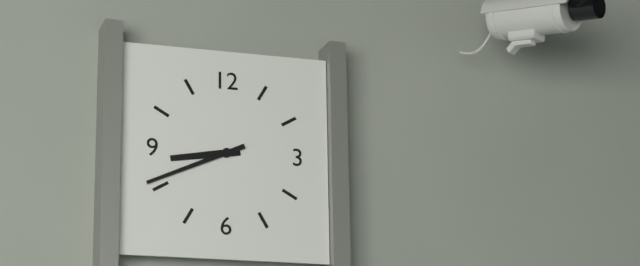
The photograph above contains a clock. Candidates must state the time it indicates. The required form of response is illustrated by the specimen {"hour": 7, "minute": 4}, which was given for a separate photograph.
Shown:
{"hour": 8, "minute": 41}
